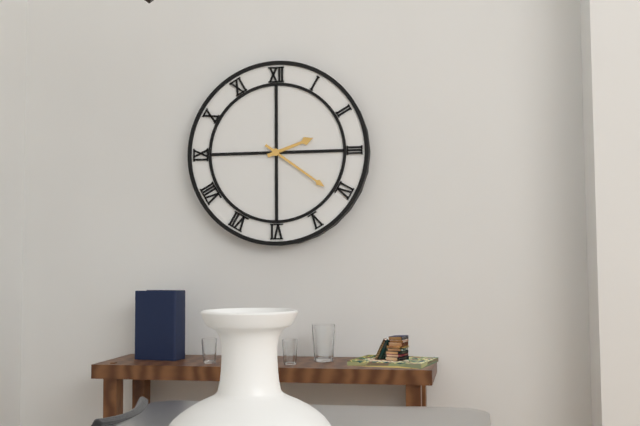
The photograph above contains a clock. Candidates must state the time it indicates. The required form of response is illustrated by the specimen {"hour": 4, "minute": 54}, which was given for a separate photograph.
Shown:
{"hour": 2, "minute": 21}
